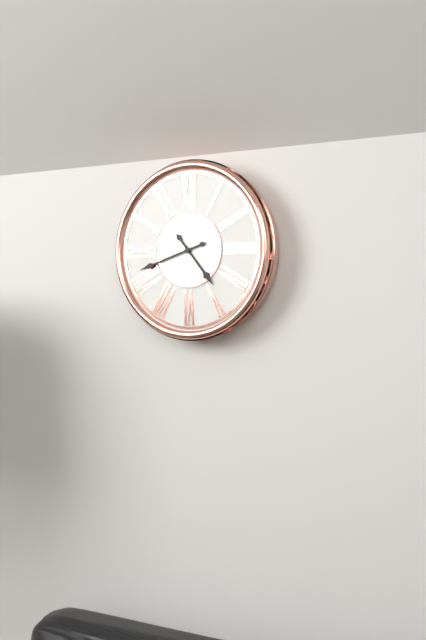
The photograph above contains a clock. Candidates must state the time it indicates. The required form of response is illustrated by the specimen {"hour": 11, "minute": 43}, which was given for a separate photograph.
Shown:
{"hour": 4, "minute": 42}
